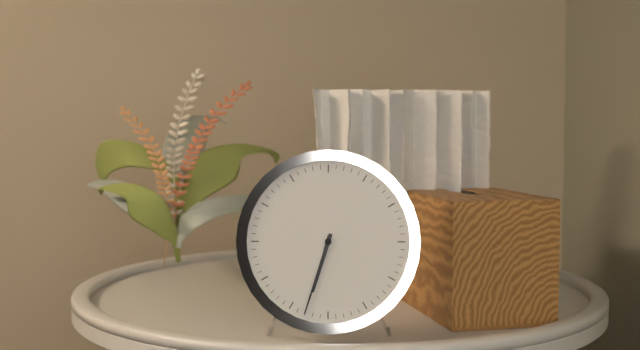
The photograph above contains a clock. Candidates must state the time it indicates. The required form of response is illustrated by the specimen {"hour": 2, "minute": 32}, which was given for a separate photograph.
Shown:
{"hour": 6, "minute": 33}
